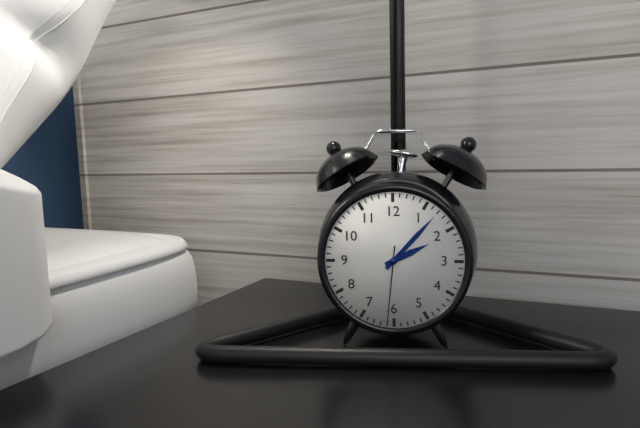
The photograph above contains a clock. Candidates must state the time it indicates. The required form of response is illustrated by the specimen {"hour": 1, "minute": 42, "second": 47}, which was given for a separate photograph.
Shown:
{"hour": 2, "minute": 7, "second": 31}
